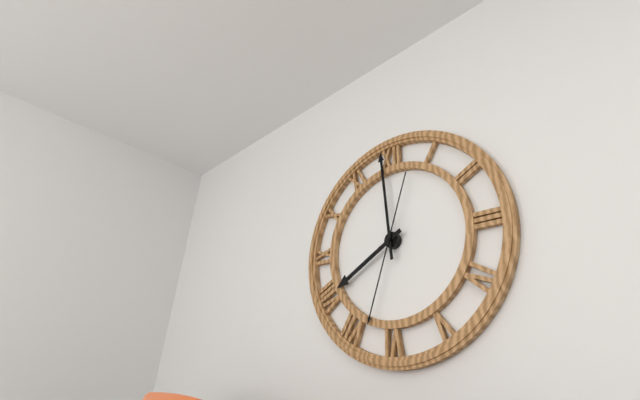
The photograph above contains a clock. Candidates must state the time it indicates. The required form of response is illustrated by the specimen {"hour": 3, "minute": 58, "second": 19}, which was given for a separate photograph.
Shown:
{"hour": 7, "minute": 59, "second": 33}
